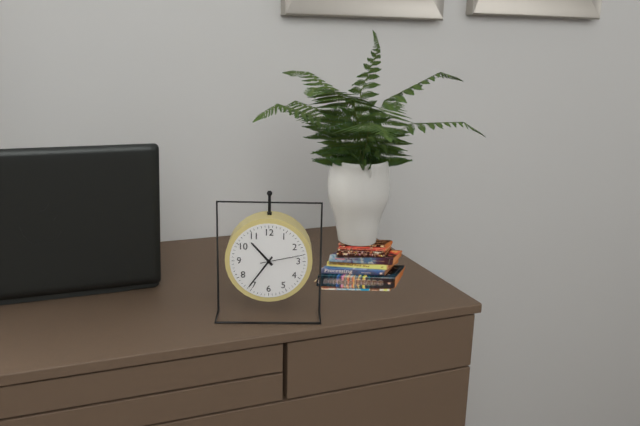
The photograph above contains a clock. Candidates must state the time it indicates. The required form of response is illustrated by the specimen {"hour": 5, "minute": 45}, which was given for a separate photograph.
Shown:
{"hour": 10, "minute": 36}
